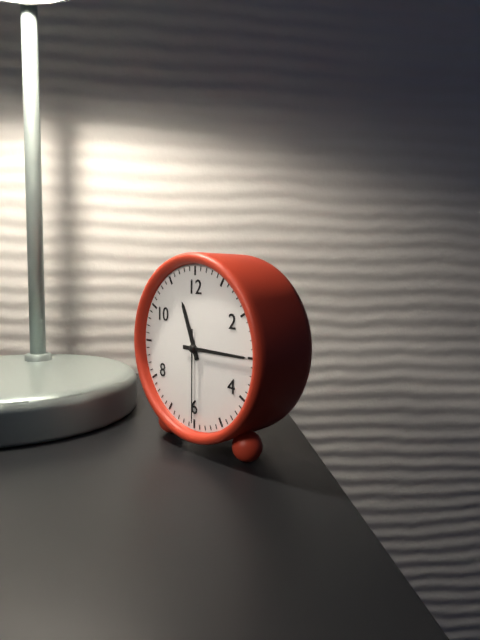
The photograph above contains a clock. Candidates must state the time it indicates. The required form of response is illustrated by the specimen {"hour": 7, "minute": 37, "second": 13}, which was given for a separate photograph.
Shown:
{"hour": 11, "minute": 15, "second": 30}
